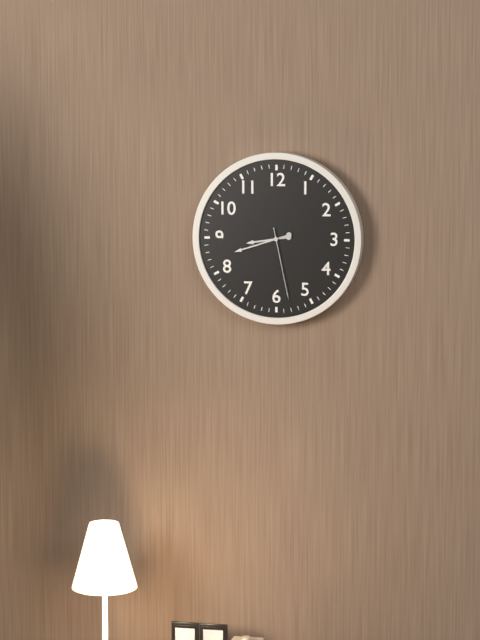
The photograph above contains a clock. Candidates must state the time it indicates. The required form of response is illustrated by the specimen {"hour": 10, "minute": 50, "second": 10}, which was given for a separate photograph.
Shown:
{"hour": 8, "minute": 42, "second": 28}
